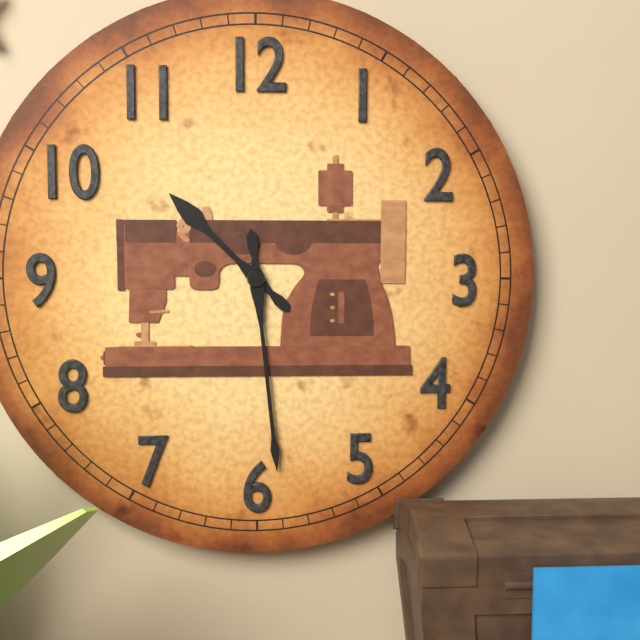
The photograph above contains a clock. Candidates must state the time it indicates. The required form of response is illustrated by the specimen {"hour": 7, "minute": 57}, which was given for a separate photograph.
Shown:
{"hour": 10, "minute": 29}
